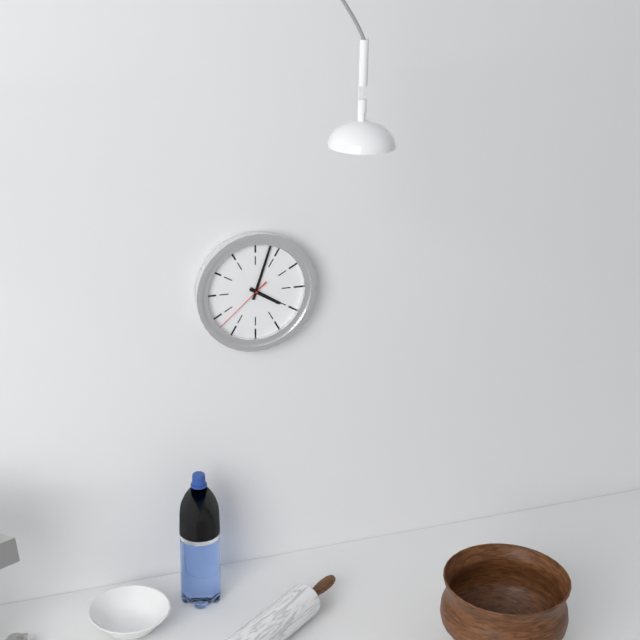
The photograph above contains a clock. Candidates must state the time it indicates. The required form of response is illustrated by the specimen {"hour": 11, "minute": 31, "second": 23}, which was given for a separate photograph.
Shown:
{"hour": 4, "minute": 3, "second": 38}
